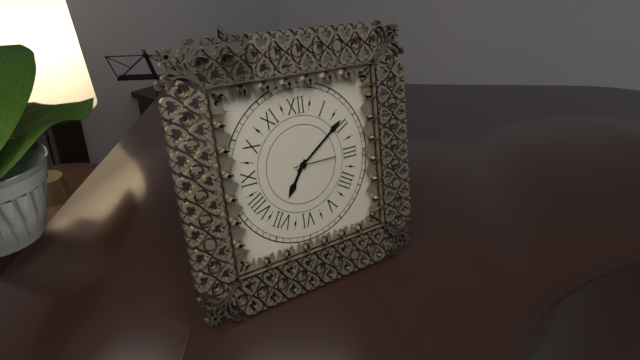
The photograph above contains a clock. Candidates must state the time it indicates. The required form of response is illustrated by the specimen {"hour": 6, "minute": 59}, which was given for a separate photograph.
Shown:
{"hour": 7, "minute": 9}
